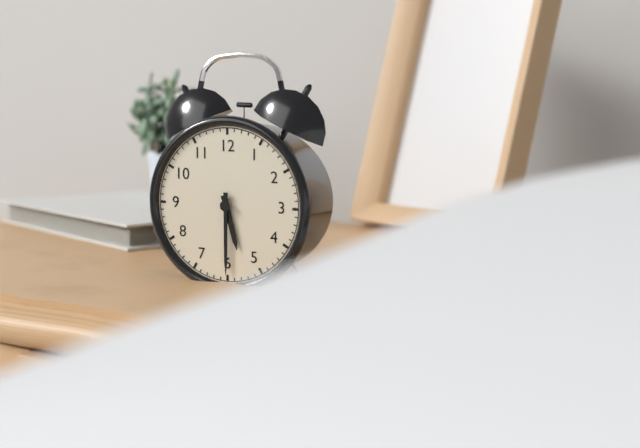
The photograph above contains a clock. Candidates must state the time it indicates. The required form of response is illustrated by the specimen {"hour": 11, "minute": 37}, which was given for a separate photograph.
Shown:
{"hour": 5, "minute": 30}
